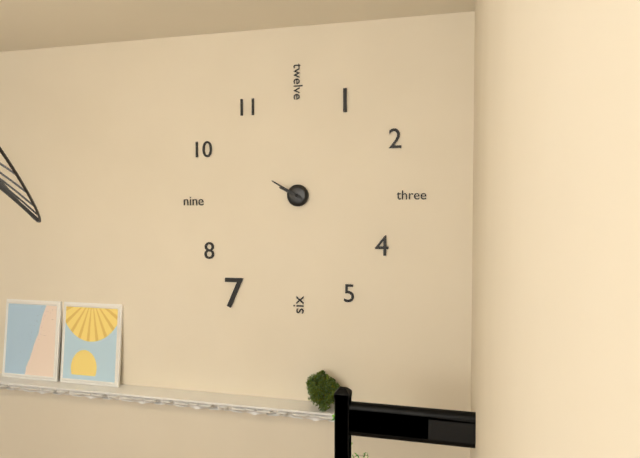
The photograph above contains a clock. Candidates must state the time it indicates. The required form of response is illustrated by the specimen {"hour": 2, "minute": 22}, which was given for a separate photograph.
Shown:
{"hour": 9, "minute": 50}
